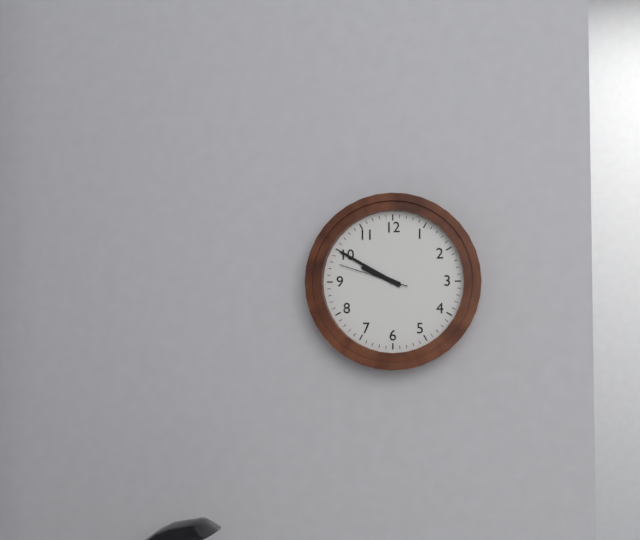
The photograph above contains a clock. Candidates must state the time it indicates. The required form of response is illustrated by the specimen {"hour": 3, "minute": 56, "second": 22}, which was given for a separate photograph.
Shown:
{"hour": 9, "minute": 50, "second": 48}
